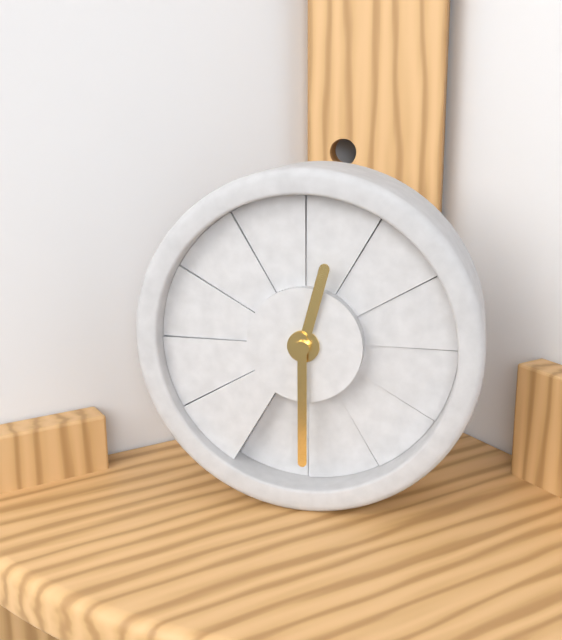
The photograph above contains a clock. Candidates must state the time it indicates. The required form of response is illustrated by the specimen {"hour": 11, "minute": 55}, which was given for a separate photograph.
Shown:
{"hour": 12, "minute": 30}
